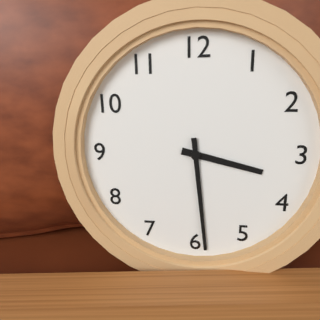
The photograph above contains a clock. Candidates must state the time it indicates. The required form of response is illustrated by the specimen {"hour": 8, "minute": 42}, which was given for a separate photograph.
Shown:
{"hour": 3, "minute": 29}
